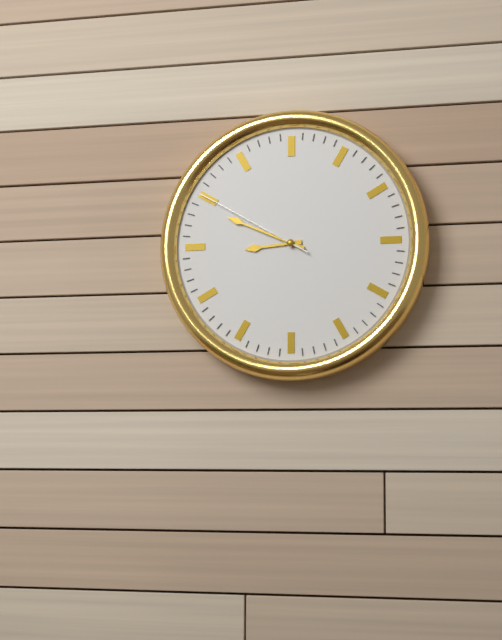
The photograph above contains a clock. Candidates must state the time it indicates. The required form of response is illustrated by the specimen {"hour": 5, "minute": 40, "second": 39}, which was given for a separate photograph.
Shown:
{"hour": 8, "minute": 49, "second": 50}
